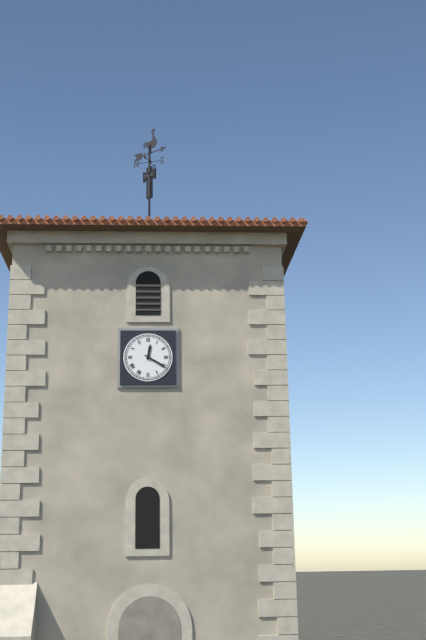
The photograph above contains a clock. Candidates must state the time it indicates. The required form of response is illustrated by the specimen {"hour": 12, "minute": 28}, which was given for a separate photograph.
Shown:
{"hour": 12, "minute": 20}
